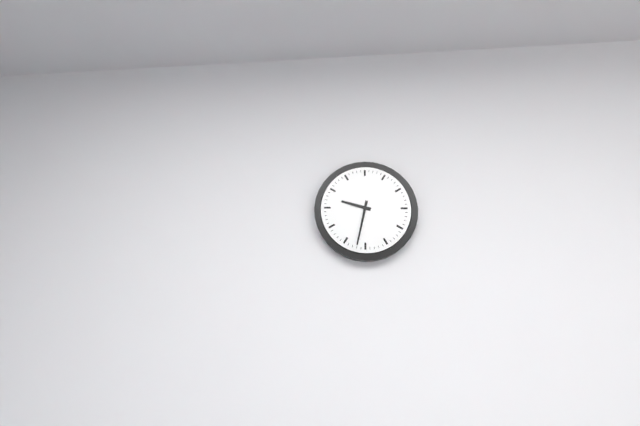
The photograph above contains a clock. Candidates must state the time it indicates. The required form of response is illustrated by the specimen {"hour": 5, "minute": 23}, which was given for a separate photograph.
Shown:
{"hour": 9, "minute": 32}
